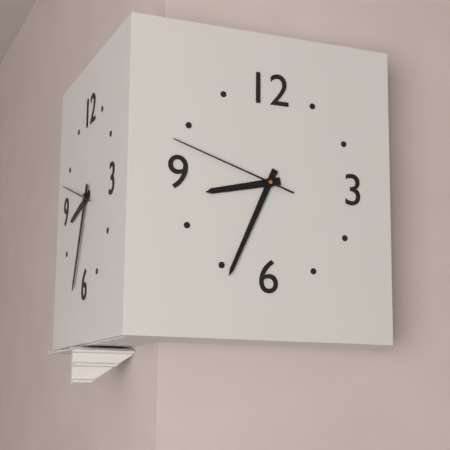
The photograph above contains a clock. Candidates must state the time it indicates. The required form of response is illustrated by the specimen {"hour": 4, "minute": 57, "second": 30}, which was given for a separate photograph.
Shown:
{"hour": 8, "minute": 34, "second": 48}
